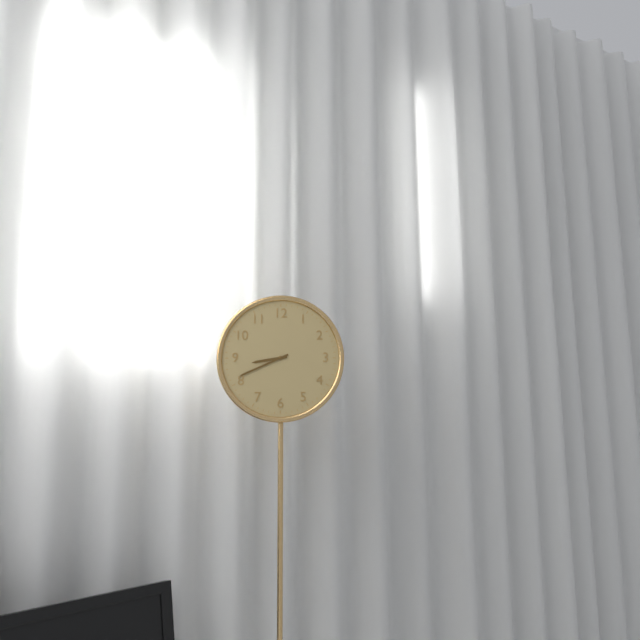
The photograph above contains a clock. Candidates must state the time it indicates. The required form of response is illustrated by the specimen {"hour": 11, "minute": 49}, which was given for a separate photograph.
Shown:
{"hour": 8, "minute": 41}
